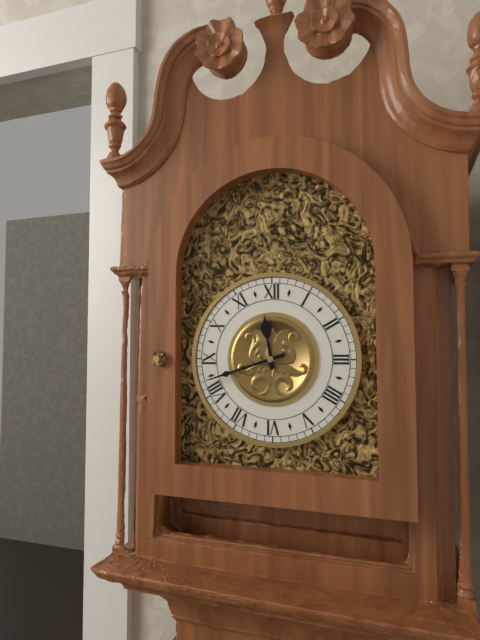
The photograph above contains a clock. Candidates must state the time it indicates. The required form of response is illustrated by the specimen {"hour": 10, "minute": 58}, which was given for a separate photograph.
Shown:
{"hour": 11, "minute": 42}
